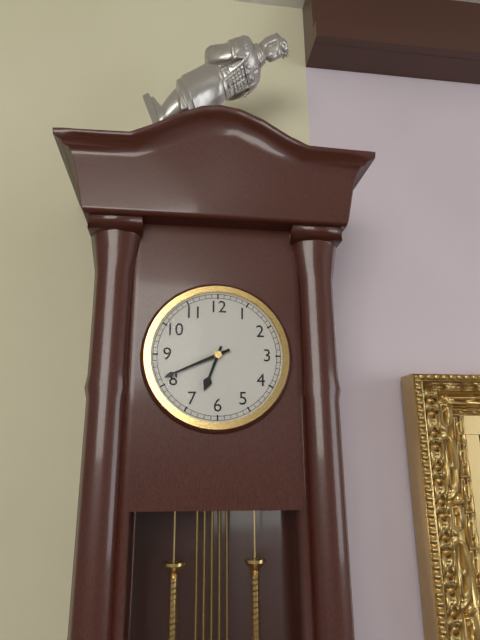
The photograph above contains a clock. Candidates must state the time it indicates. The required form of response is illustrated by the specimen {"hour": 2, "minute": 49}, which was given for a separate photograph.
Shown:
{"hour": 6, "minute": 41}
